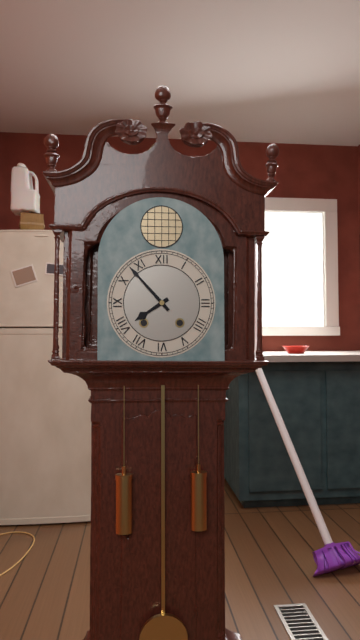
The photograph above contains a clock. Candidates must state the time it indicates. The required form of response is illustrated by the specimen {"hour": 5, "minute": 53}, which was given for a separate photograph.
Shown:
{"hour": 7, "minute": 53}
